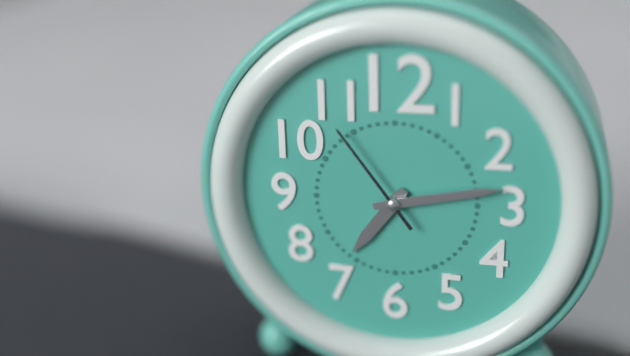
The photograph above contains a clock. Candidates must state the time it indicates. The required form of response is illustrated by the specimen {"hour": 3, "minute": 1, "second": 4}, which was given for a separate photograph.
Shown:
{"hour": 7, "minute": 13, "second": 54}
